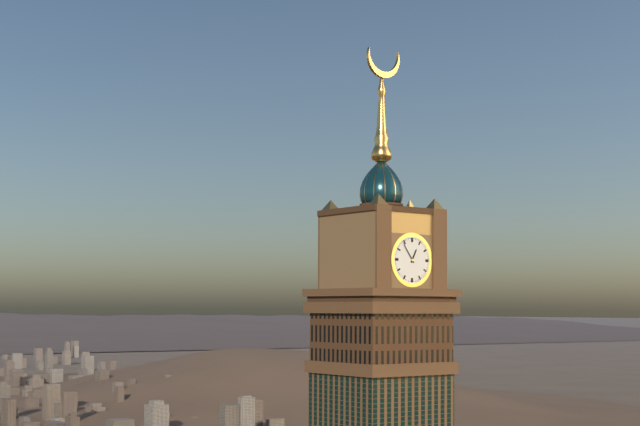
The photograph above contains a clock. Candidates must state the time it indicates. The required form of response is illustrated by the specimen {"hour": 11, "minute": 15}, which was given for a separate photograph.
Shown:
{"hour": 12, "minute": 54}
